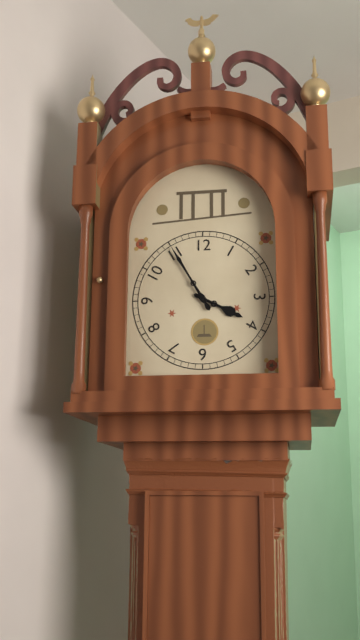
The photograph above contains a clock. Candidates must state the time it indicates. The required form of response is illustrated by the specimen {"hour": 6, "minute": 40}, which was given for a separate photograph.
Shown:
{"hour": 3, "minute": 55}
